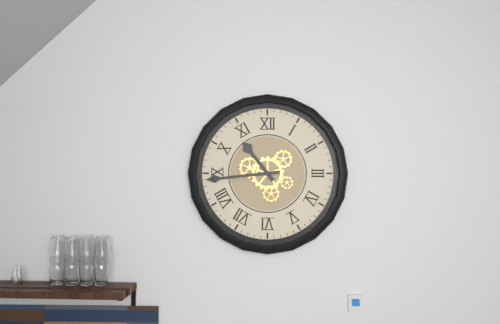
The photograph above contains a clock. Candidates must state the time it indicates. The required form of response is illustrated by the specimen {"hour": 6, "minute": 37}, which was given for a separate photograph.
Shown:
{"hour": 10, "minute": 44}
